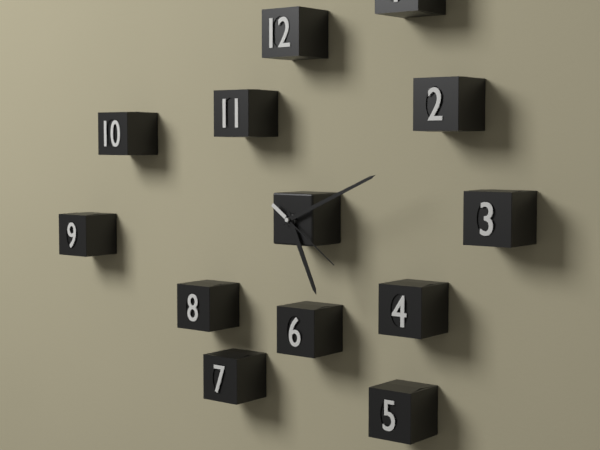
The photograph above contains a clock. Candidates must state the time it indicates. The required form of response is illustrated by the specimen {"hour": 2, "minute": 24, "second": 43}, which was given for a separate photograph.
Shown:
{"hour": 5, "minute": 11, "second": 21}
